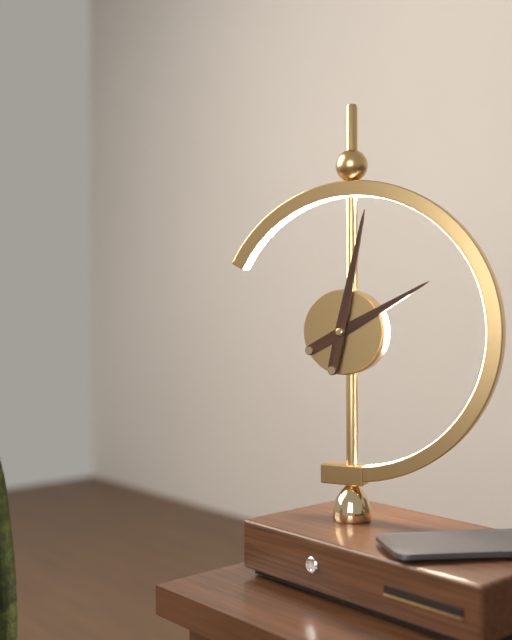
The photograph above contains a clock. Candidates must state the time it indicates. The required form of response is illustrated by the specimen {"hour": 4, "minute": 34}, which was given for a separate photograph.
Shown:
{"hour": 2, "minute": 2}
